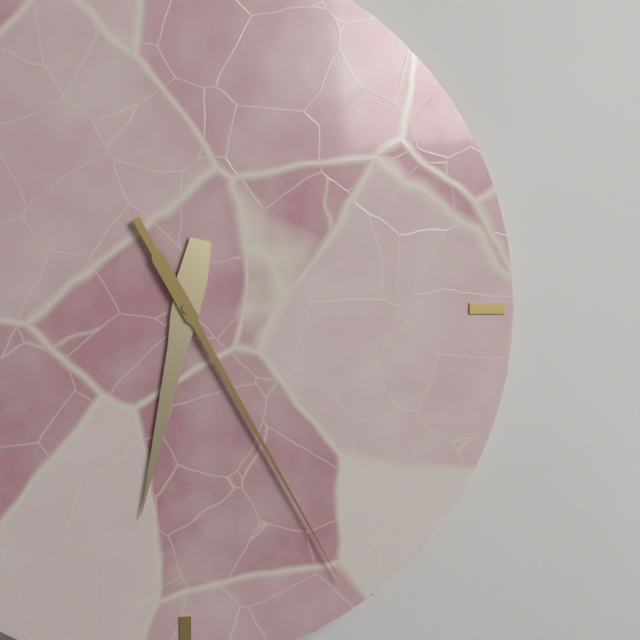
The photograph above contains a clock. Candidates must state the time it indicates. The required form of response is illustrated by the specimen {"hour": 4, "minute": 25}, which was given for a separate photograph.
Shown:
{"hour": 6, "minute": 25}
